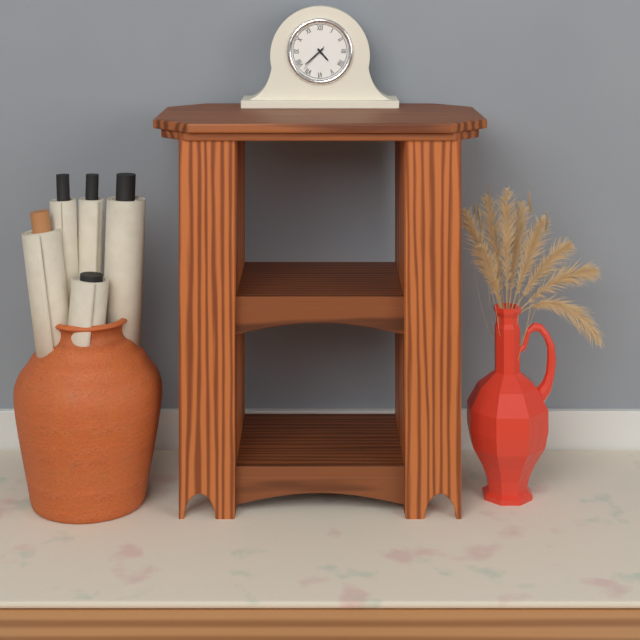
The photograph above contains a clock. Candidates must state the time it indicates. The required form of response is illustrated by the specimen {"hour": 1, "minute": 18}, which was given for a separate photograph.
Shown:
{"hour": 4, "minute": 38}
